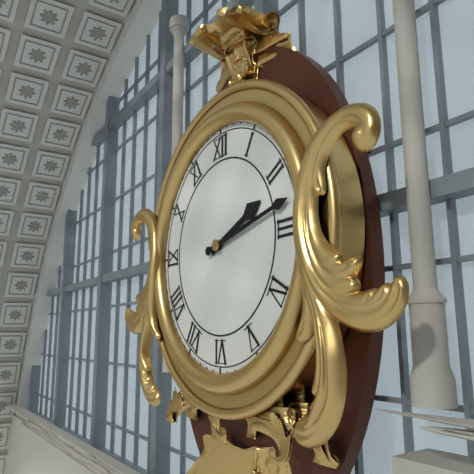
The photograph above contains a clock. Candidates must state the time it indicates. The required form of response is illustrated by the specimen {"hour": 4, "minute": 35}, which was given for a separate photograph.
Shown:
{"hour": 2, "minute": 13}
